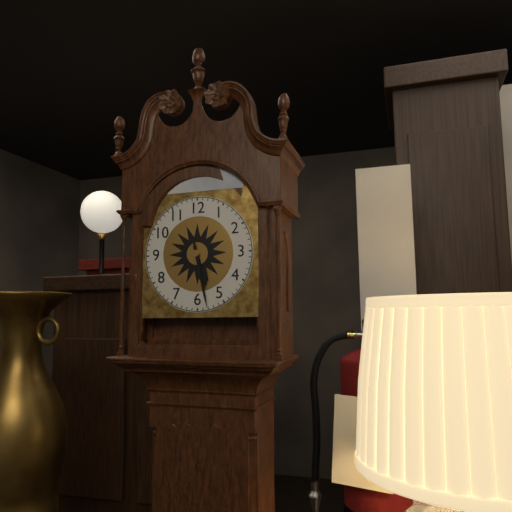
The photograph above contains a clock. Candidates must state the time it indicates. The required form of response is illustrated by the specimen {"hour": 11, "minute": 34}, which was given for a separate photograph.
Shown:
{"hour": 5, "minute": 28}
